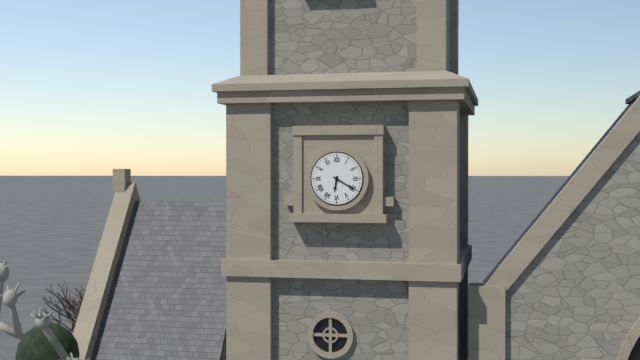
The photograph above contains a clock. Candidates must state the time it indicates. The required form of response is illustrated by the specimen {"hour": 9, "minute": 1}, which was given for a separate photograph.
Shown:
{"hour": 6, "minute": 20}
